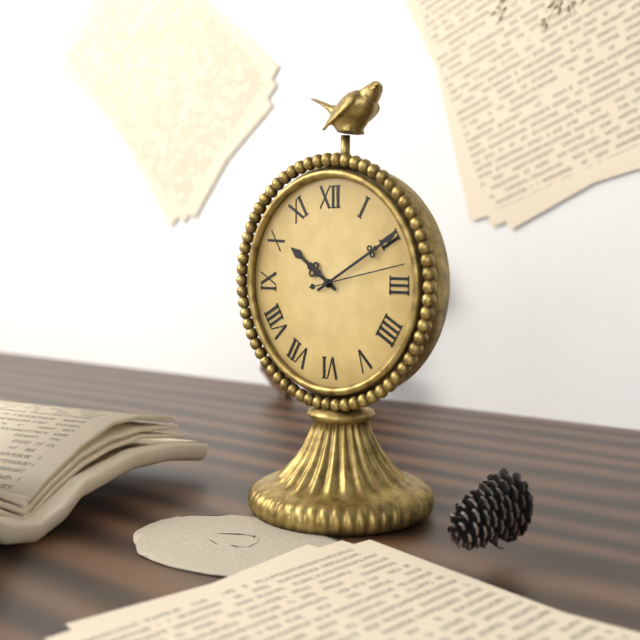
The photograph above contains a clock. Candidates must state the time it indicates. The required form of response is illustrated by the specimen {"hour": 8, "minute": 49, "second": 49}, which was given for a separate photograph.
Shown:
{"hour": 10, "minute": 10, "second": 13}
